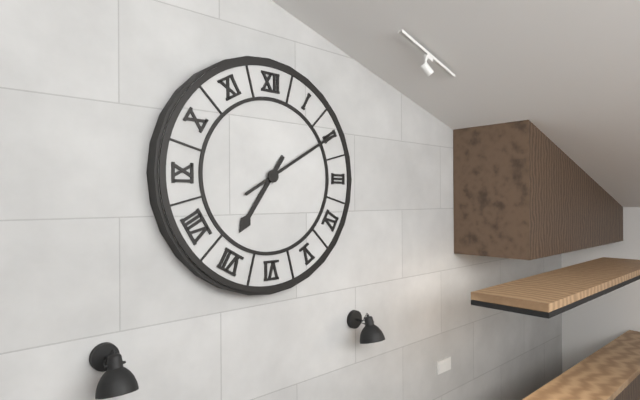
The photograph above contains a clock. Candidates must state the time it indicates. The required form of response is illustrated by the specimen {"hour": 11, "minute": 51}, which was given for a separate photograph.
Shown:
{"hour": 7, "minute": 10}
